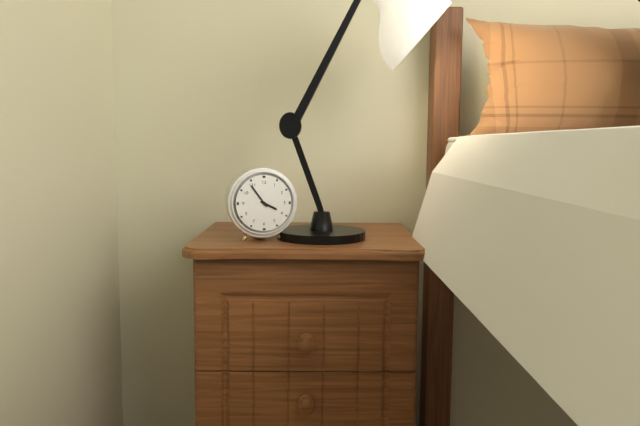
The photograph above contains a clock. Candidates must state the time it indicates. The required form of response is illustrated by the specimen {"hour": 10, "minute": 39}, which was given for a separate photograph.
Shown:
{"hour": 3, "minute": 54}
